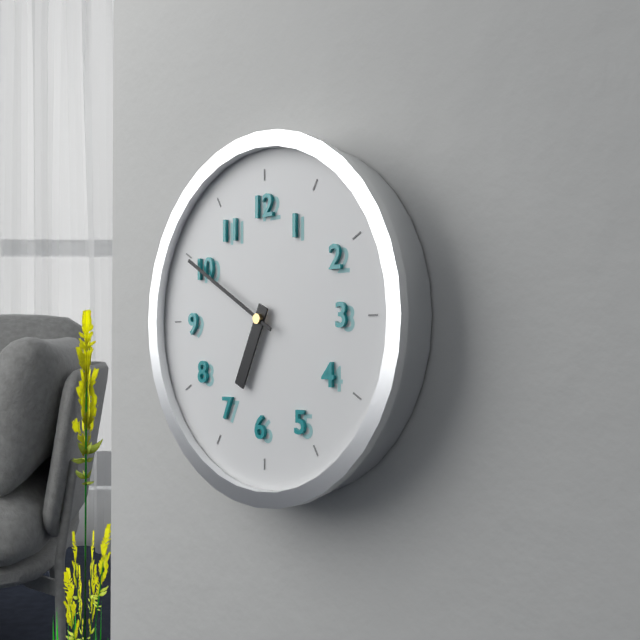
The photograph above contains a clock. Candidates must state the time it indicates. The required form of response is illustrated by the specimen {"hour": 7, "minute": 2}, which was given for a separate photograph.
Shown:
{"hour": 6, "minute": 50}
